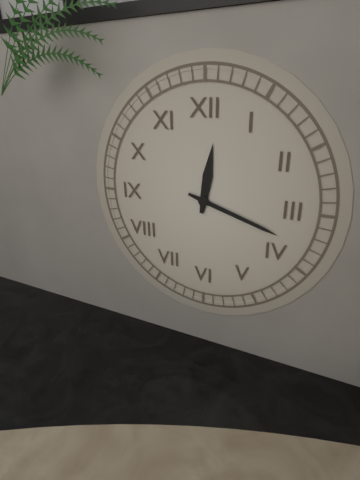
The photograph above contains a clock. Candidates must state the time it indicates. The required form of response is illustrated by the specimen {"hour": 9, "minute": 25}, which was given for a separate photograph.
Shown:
{"hour": 12, "minute": 18}
